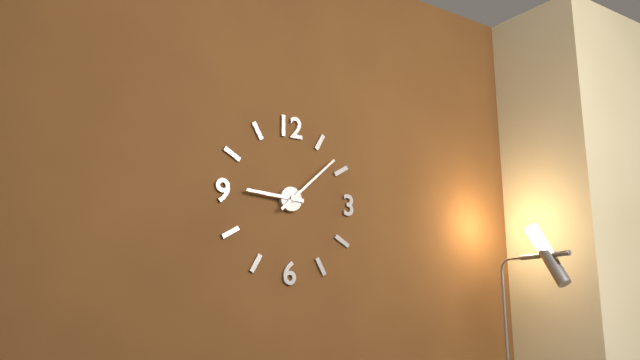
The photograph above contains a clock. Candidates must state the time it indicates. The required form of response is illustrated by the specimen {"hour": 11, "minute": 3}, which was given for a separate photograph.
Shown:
{"hour": 9, "minute": 8}
